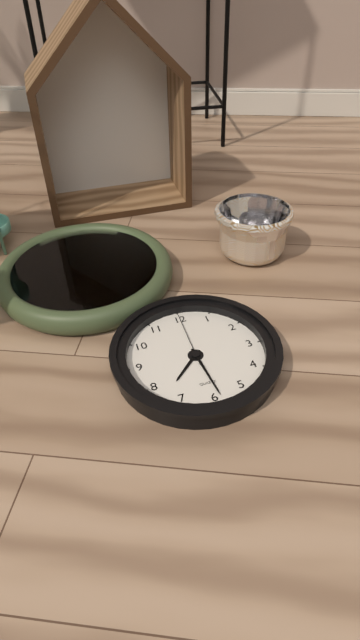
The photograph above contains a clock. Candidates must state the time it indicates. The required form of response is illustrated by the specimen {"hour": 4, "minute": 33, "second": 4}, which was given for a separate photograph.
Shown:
{"hour": 7, "minute": 29, "second": 0}
